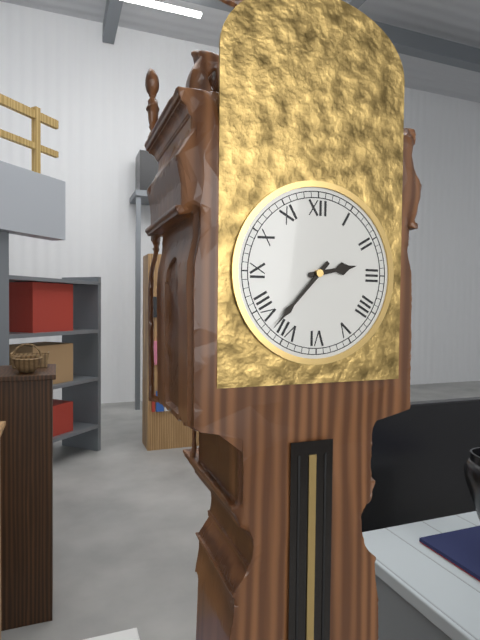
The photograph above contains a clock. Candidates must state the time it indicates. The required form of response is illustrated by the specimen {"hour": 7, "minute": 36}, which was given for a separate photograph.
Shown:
{"hour": 2, "minute": 37}
